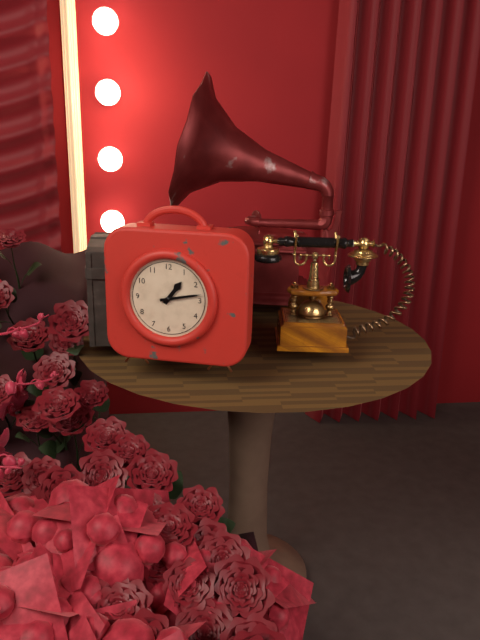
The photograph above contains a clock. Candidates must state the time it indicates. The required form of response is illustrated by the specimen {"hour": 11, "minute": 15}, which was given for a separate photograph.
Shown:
{"hour": 1, "minute": 13}
